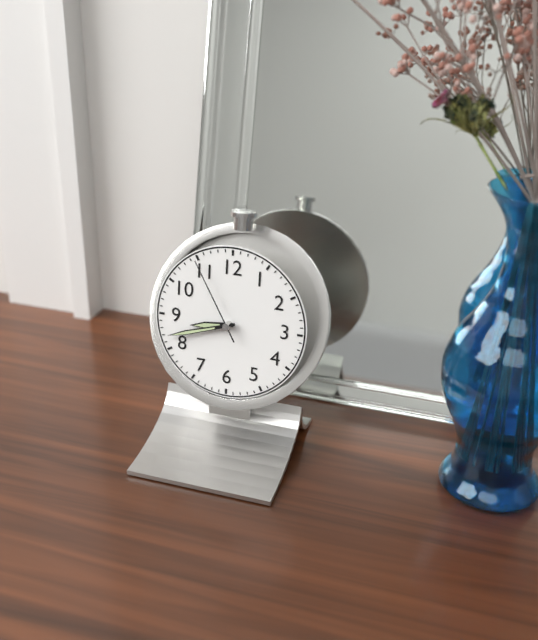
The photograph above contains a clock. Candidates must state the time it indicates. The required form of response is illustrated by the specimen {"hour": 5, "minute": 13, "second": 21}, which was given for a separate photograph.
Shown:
{"hour": 8, "minute": 42, "second": 55}
